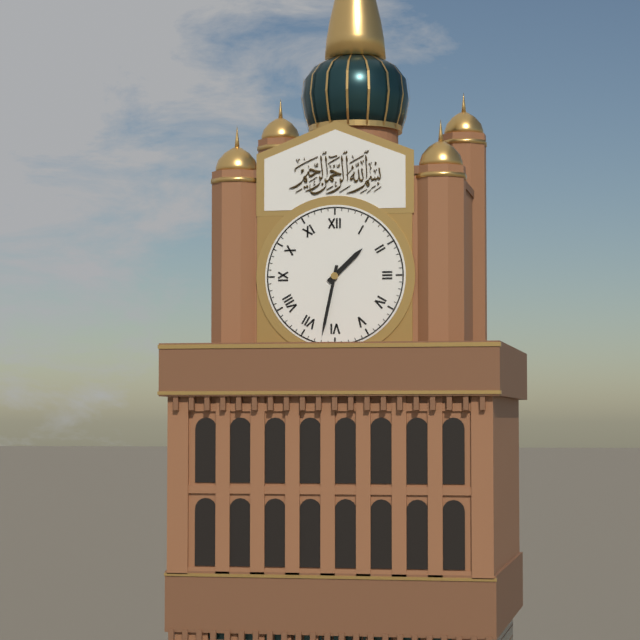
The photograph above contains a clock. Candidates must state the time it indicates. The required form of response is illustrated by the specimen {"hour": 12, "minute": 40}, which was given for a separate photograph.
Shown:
{"hour": 1, "minute": 32}
